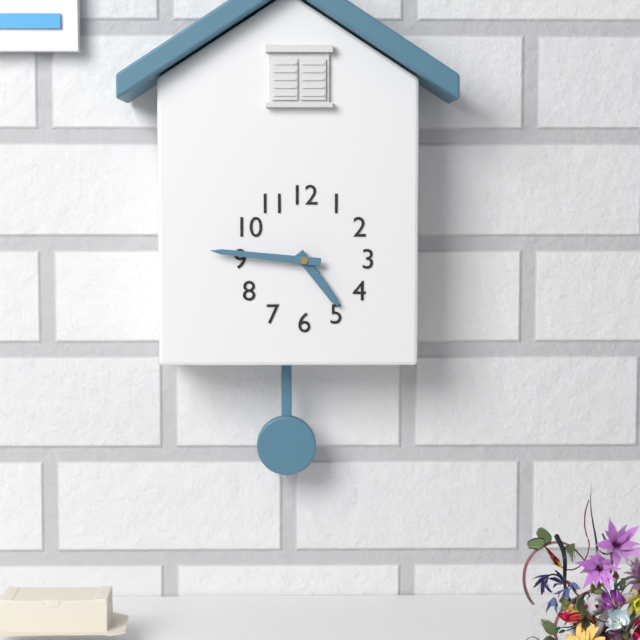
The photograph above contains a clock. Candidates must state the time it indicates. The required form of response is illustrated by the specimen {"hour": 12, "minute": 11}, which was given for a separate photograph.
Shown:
{"hour": 4, "minute": 46}
